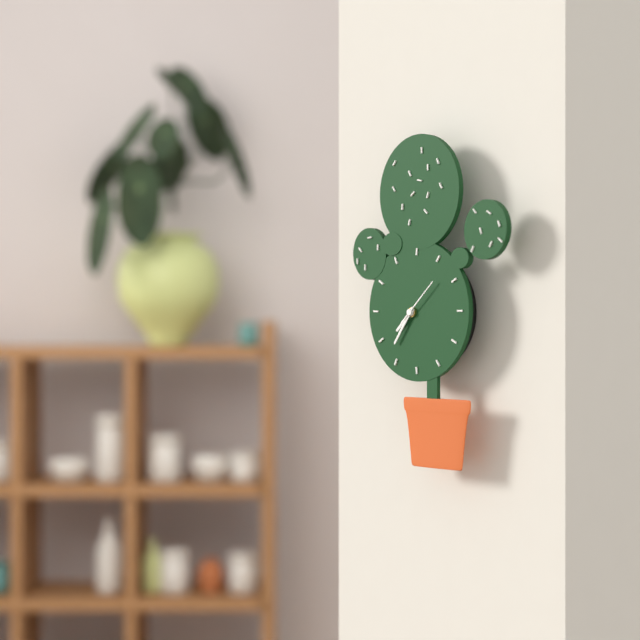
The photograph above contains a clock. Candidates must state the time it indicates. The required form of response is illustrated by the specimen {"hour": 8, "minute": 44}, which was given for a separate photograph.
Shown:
{"hour": 7, "minute": 36}
